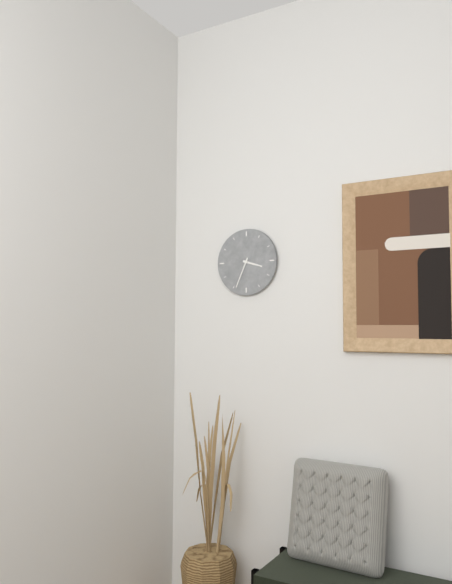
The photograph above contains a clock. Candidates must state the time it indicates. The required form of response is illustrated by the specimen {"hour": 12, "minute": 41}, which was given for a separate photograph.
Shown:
{"hour": 3, "minute": 34}
